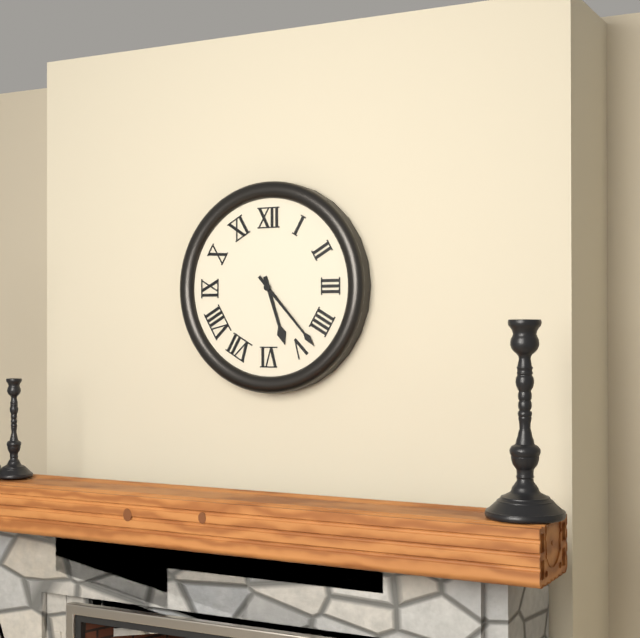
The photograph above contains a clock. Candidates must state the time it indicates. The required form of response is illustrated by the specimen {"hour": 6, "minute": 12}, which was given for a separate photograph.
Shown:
{"hour": 5, "minute": 23}
